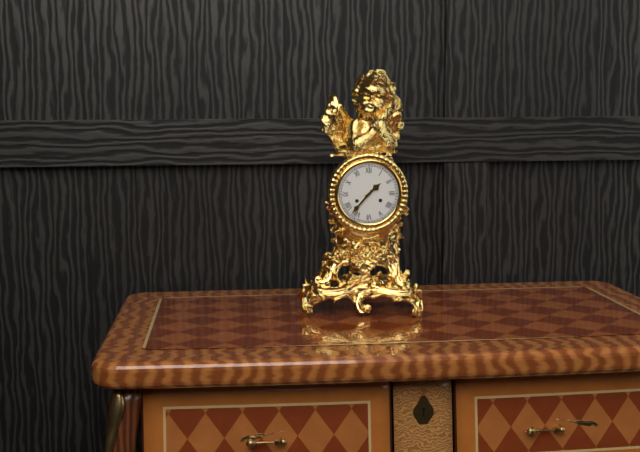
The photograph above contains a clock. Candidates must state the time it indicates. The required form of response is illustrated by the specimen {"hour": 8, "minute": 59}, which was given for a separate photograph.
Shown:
{"hour": 1, "minute": 37}
